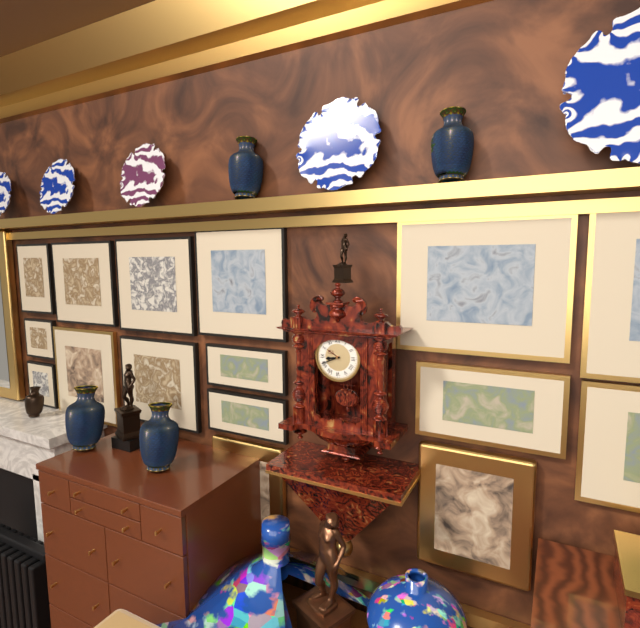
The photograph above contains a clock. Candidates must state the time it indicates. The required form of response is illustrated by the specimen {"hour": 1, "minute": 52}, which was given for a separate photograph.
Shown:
{"hour": 8, "minute": 41}
